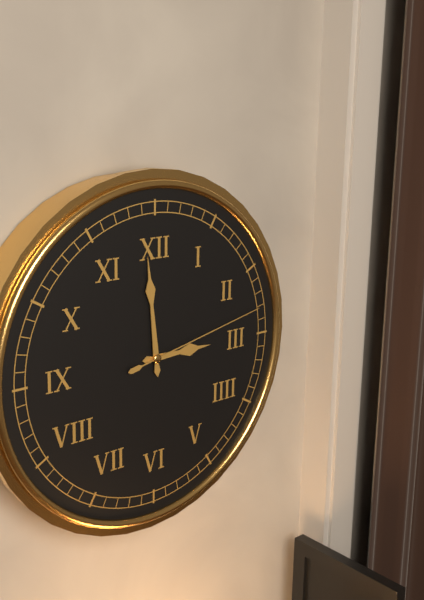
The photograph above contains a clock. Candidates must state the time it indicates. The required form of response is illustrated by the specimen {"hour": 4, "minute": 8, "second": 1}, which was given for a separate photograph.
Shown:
{"hour": 2, "minute": 59, "second": 13}
